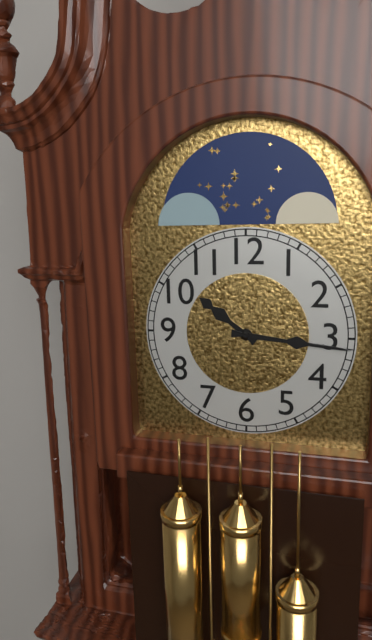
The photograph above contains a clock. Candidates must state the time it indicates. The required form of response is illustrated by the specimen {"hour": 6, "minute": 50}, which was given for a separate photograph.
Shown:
{"hour": 10, "minute": 16}
